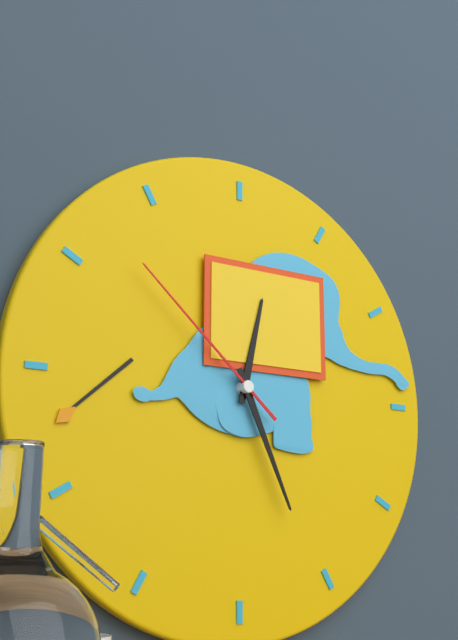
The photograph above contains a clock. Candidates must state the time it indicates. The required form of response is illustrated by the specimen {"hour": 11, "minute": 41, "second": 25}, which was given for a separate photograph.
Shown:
{"hour": 12, "minute": 26, "second": 52}
